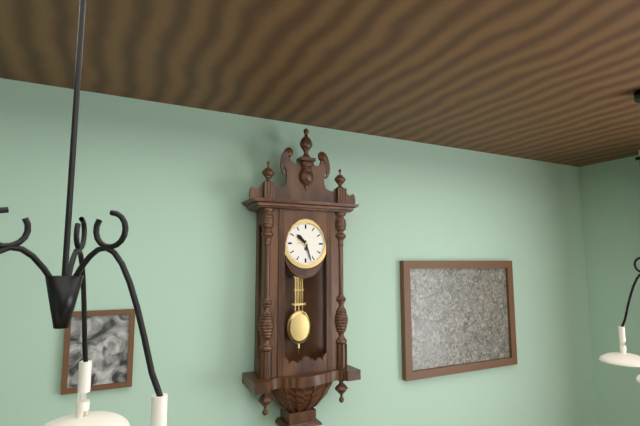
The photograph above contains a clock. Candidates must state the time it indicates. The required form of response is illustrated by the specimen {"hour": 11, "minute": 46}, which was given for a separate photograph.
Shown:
{"hour": 10, "minute": 27}
